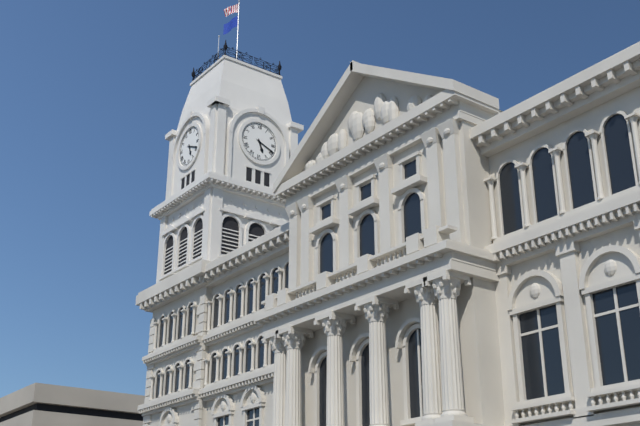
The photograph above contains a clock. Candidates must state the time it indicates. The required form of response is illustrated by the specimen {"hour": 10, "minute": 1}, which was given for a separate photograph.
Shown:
{"hour": 5, "minute": 19}
